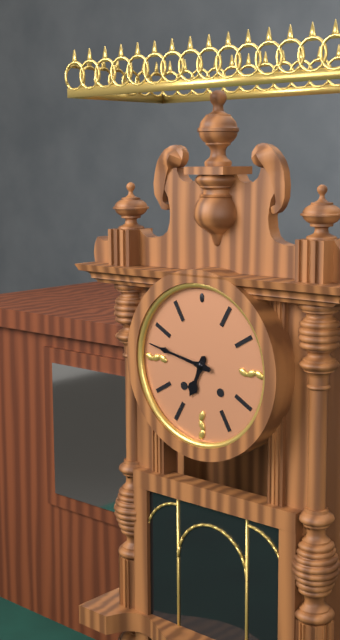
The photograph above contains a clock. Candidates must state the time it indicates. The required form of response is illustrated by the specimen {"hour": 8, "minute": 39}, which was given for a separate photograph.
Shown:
{"hour": 6, "minute": 47}
